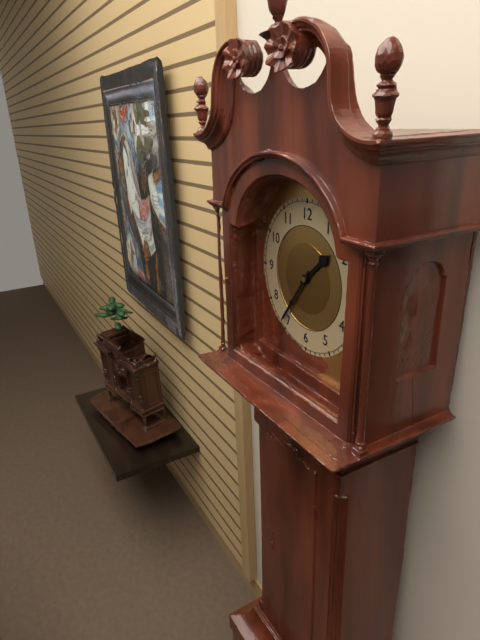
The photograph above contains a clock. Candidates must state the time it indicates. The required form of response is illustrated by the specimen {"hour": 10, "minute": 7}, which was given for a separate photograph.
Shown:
{"hour": 1, "minute": 36}
